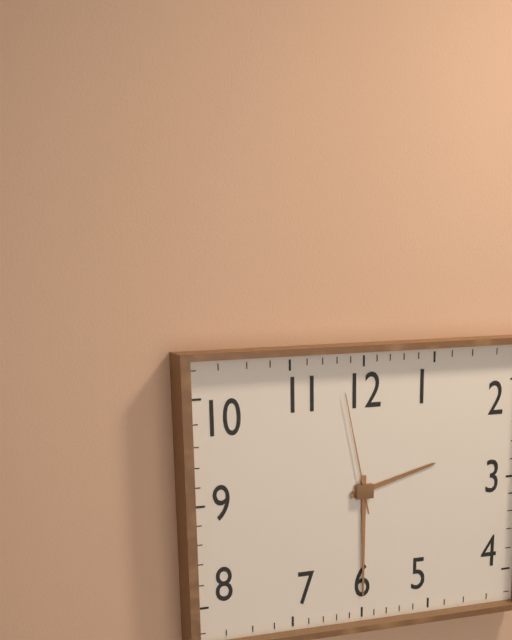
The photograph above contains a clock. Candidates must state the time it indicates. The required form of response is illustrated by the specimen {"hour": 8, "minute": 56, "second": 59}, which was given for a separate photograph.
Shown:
{"hour": 2, "minute": 30, "second": 58}
